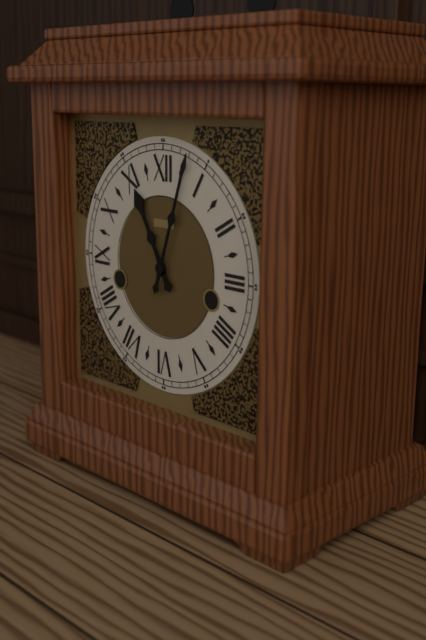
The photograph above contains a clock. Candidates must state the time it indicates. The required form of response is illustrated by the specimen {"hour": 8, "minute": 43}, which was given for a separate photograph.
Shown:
{"hour": 11, "minute": 3}
